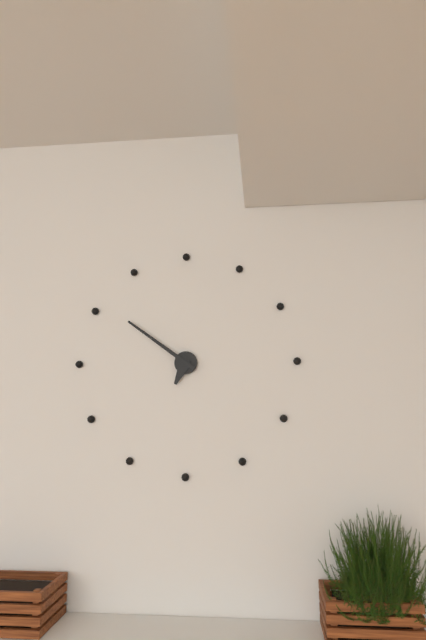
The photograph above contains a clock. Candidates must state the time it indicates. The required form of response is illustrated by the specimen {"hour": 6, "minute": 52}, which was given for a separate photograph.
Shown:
{"hour": 6, "minute": 51}
